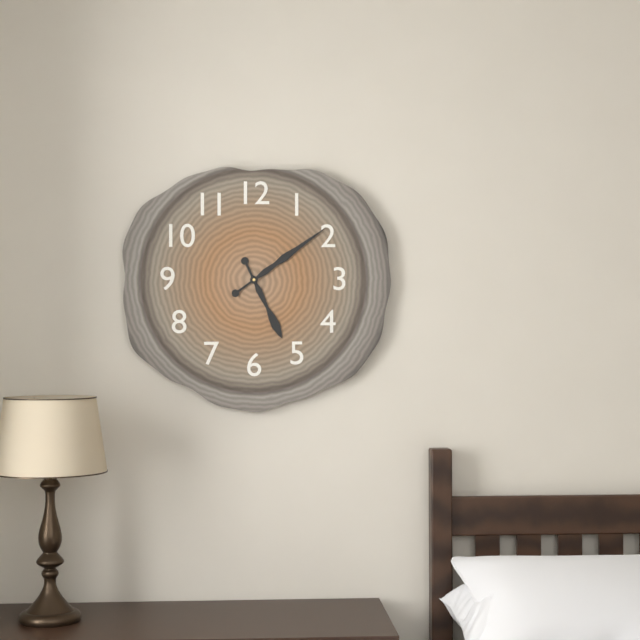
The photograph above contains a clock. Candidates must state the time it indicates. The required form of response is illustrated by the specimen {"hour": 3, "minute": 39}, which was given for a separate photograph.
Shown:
{"hour": 5, "minute": 9}
